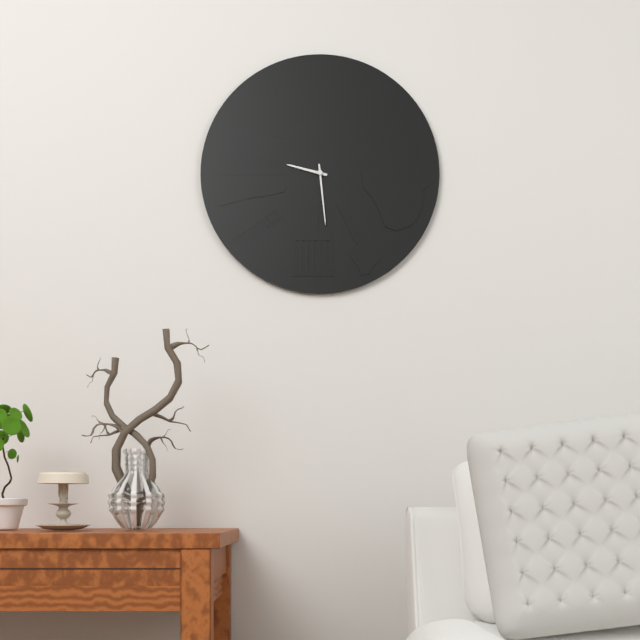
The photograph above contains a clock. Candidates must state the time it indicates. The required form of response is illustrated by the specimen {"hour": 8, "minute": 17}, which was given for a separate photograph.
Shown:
{"hour": 9, "minute": 29}
